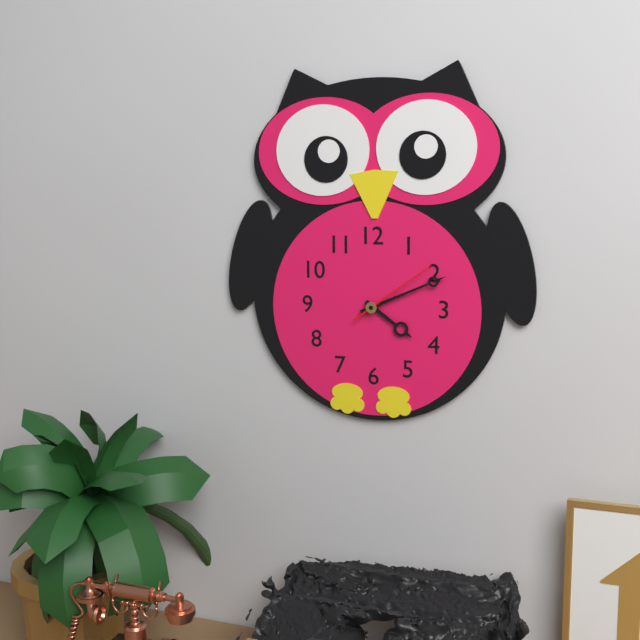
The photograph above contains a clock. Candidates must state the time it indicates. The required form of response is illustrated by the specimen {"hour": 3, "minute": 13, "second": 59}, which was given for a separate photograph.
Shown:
{"hour": 4, "minute": 11, "second": 9}
